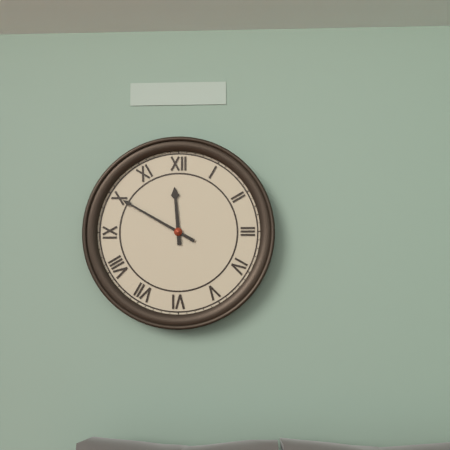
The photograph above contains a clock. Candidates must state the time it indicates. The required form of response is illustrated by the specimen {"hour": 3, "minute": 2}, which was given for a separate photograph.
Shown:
{"hour": 11, "minute": 50}
